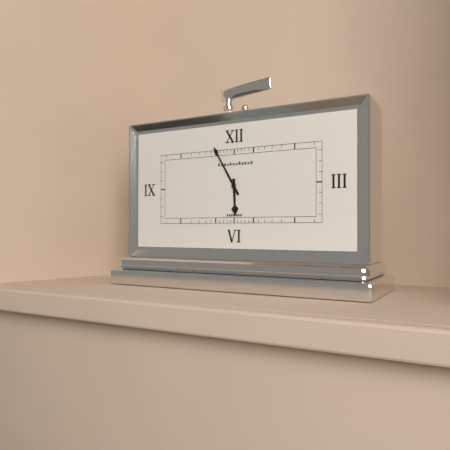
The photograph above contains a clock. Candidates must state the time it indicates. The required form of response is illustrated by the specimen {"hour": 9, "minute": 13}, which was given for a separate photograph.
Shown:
{"hour": 5, "minute": 55}
